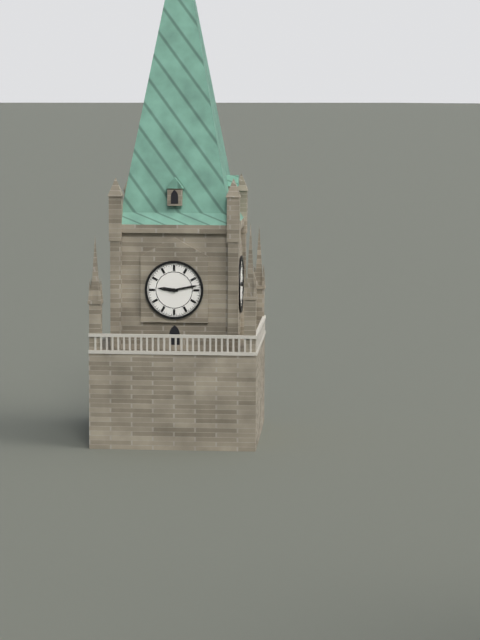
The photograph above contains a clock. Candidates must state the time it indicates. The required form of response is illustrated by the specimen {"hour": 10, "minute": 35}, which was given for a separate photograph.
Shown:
{"hour": 9, "minute": 13}
